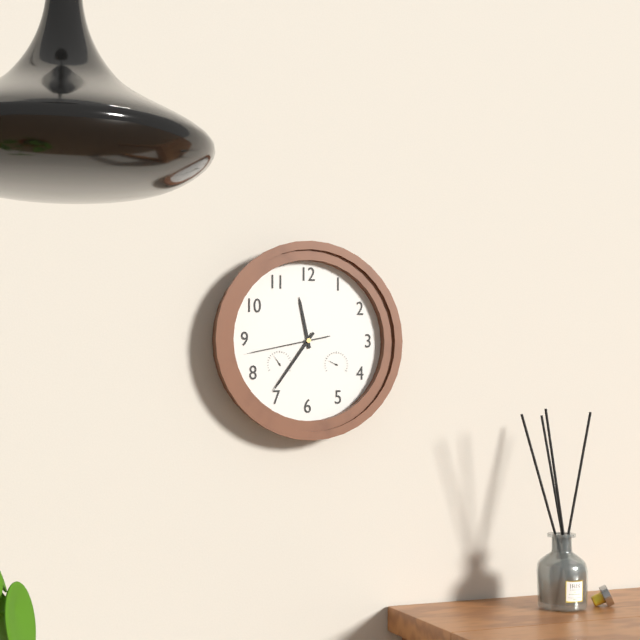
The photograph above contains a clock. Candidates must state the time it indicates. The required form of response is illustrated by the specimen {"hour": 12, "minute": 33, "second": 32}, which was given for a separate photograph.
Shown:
{"hour": 11, "minute": 36, "second": 43}
